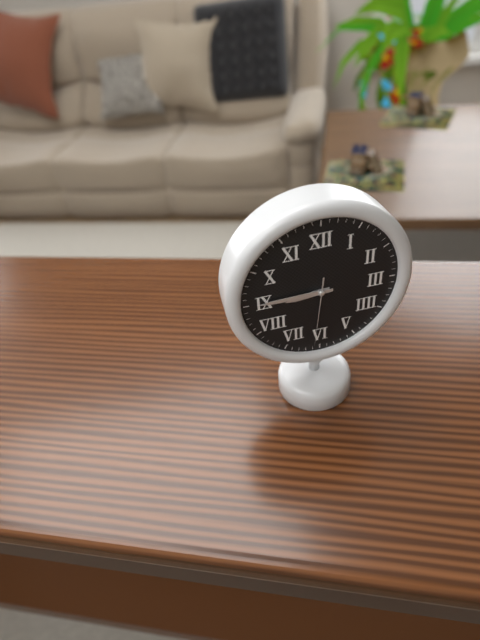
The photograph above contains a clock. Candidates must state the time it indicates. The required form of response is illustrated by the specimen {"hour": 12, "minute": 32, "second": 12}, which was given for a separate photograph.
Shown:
{"hour": 8, "minute": 45, "second": 31}
